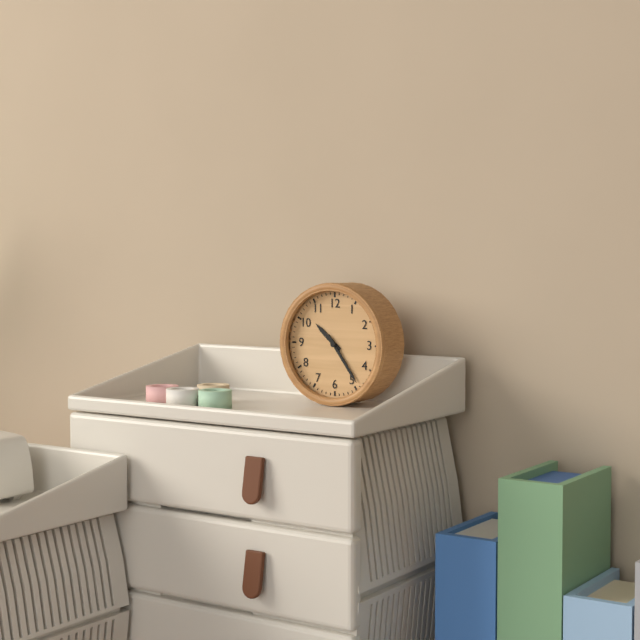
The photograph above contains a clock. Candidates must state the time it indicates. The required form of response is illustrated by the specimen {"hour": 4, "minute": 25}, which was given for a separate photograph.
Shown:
{"hour": 10, "minute": 24}
